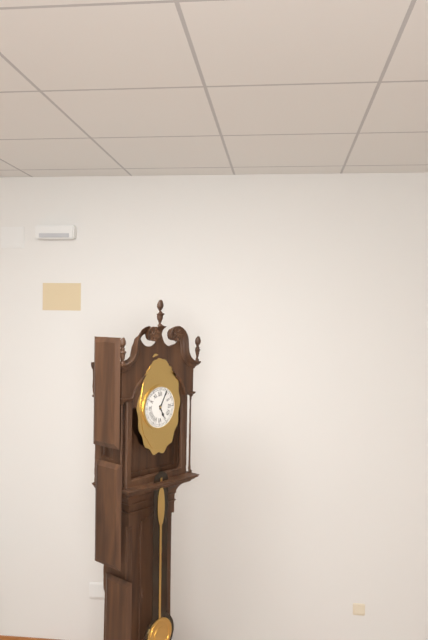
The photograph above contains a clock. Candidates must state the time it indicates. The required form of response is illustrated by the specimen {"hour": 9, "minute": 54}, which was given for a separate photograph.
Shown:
{"hour": 5, "minute": 5}
